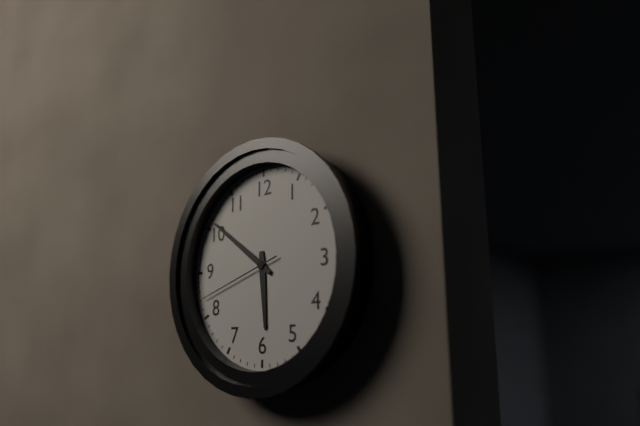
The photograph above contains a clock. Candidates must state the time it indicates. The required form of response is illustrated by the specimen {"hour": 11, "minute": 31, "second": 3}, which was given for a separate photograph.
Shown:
{"hour": 5, "minute": 51, "second": 42}
